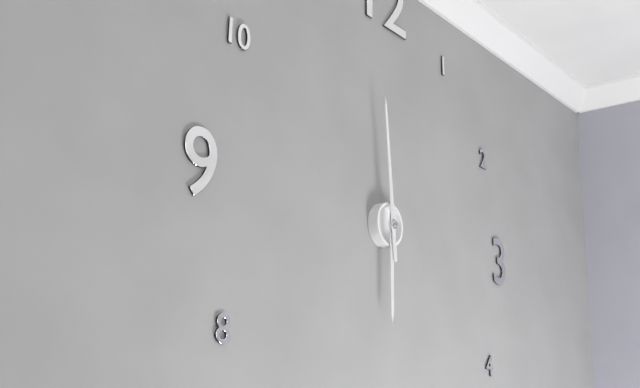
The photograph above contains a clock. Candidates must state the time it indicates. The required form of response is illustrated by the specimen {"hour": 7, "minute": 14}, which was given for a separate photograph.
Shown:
{"hour": 5, "minute": 59}
